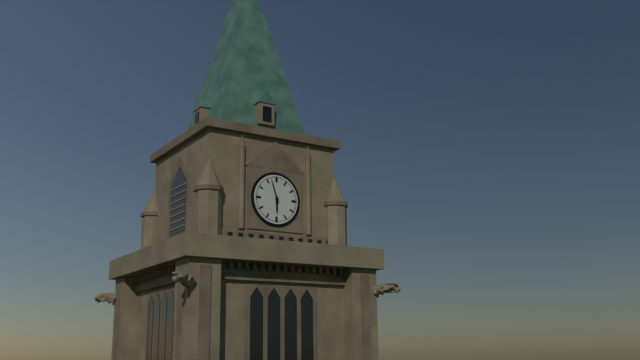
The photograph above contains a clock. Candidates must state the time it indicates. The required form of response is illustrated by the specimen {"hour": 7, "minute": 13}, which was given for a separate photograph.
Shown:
{"hour": 5, "minute": 57}
